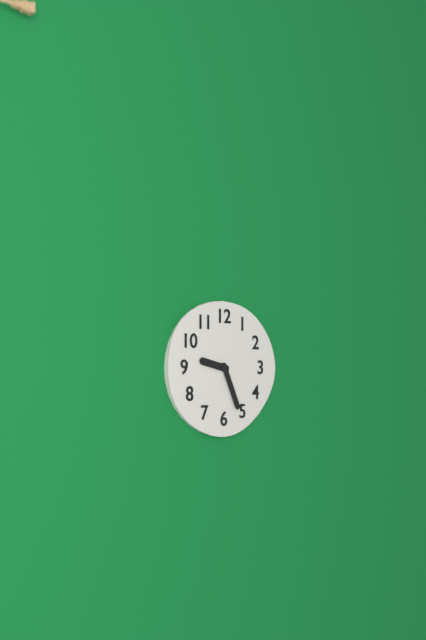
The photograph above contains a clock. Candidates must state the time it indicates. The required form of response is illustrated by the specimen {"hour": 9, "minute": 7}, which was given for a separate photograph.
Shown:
{"hour": 9, "minute": 26}
